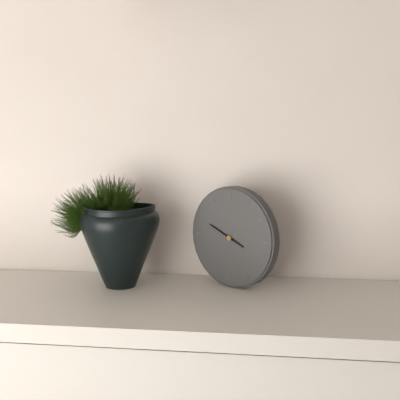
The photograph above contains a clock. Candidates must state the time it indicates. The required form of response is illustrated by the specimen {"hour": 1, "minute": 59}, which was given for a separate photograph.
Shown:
{"hour": 3, "minute": 49}
